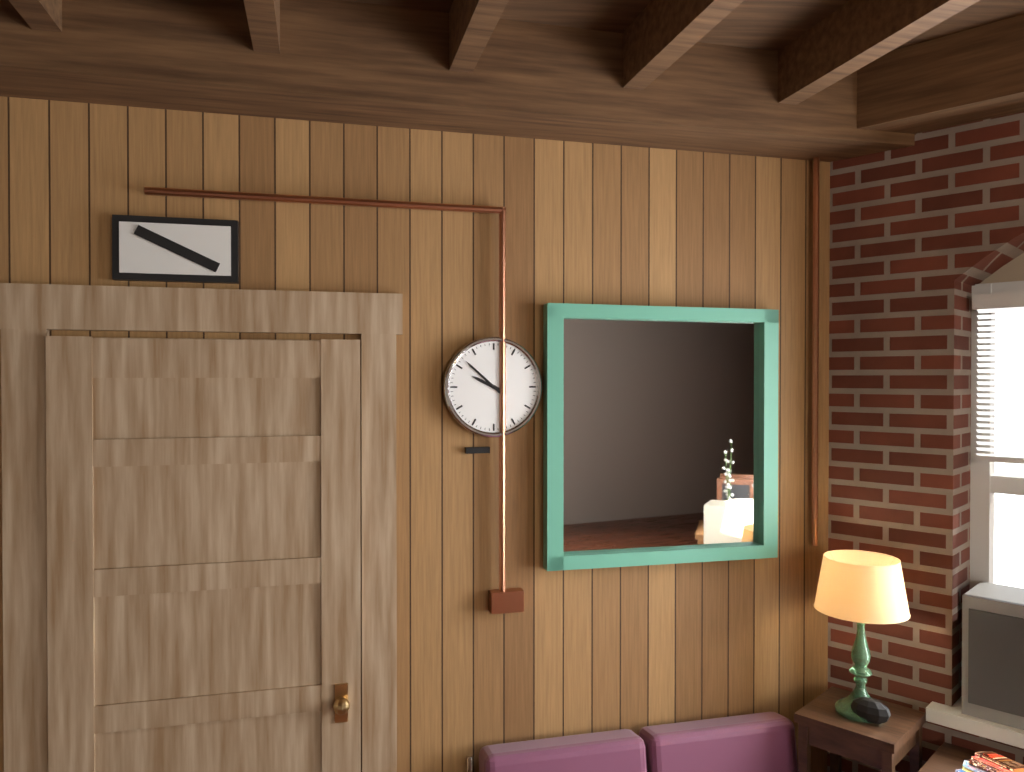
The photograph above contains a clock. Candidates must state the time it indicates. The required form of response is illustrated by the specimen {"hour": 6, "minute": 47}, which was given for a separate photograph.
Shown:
{"hour": 9, "minute": 52}
